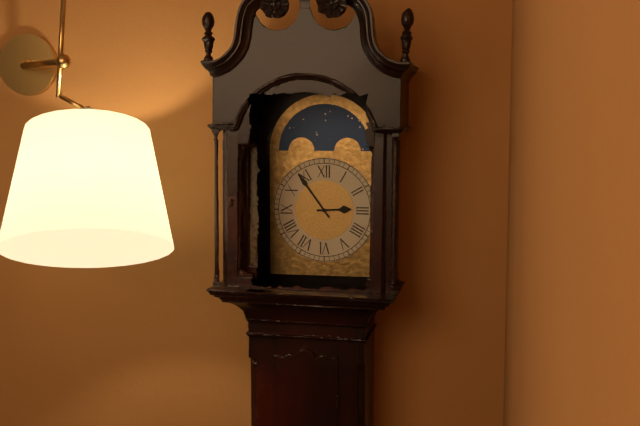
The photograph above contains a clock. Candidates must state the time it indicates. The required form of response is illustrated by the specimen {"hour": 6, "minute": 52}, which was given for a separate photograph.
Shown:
{"hour": 2, "minute": 54}
